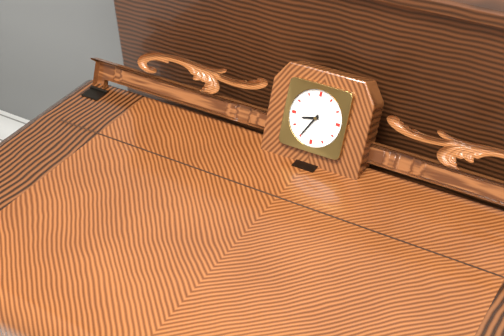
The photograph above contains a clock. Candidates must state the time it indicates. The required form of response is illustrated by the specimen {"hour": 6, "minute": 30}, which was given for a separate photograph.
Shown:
{"hour": 8, "minute": 35}
